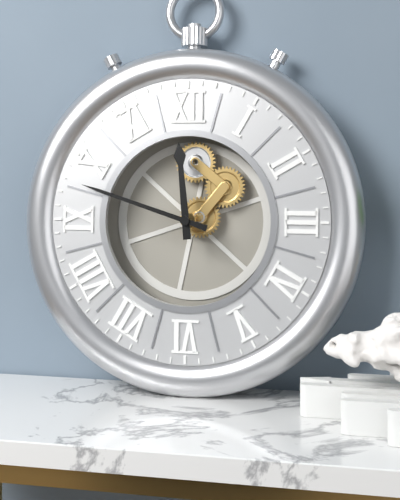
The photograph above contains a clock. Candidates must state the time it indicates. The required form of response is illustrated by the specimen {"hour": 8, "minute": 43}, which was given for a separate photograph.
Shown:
{"hour": 11, "minute": 48}
